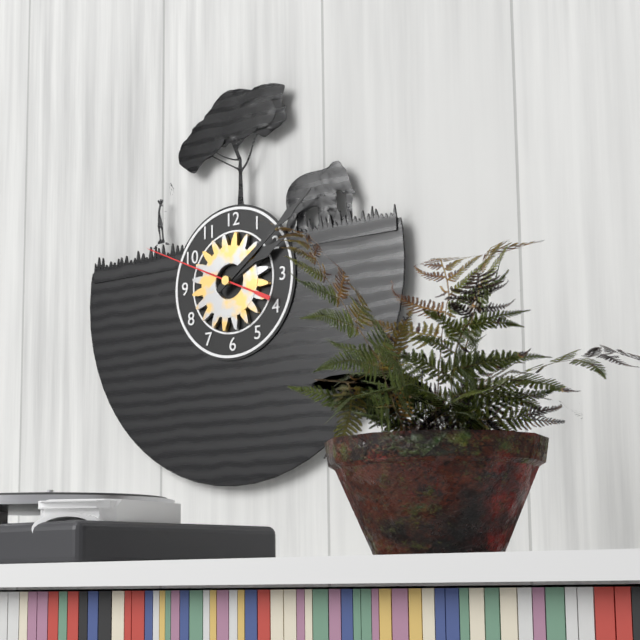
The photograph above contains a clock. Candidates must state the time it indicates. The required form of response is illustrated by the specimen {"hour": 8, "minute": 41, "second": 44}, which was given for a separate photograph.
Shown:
{"hour": 2, "minute": 9, "second": 49}
